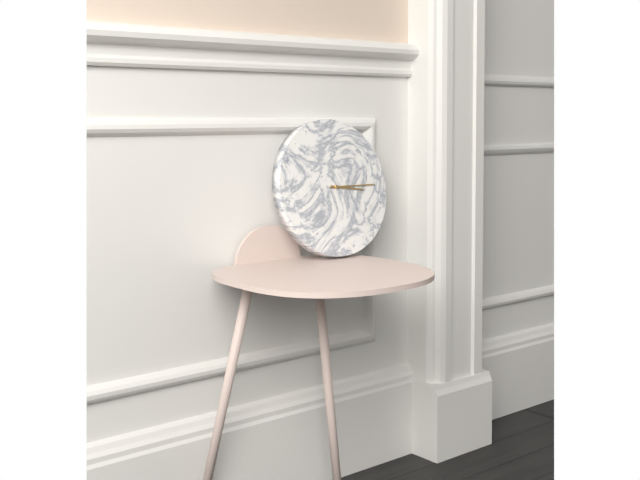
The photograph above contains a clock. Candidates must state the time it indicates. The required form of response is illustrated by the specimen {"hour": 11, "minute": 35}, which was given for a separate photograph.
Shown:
{"hour": 3, "minute": 15}
